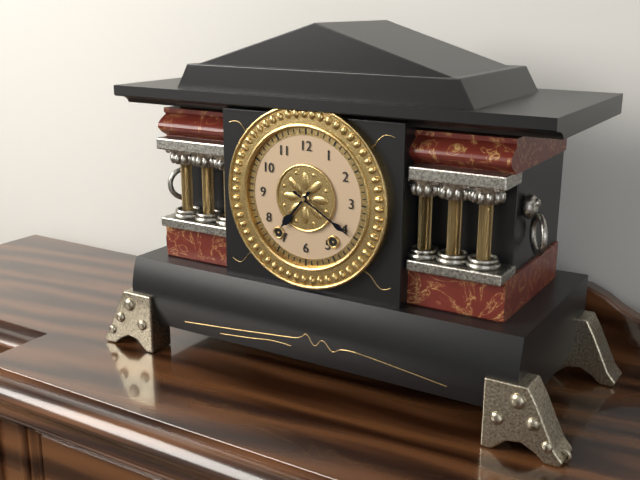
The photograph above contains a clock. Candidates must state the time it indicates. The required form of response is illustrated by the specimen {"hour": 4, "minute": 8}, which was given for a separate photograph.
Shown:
{"hour": 7, "minute": 20}
